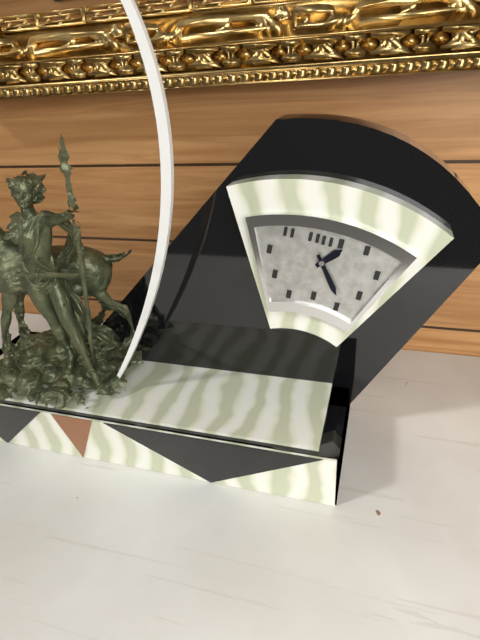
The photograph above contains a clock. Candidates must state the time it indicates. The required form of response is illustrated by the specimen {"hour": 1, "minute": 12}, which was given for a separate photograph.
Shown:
{"hour": 1, "minute": 24}
